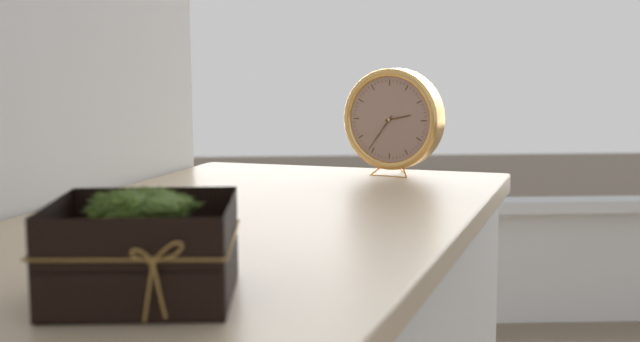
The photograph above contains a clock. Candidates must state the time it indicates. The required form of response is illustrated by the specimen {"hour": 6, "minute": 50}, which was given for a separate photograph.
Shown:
{"hour": 2, "minute": 36}
